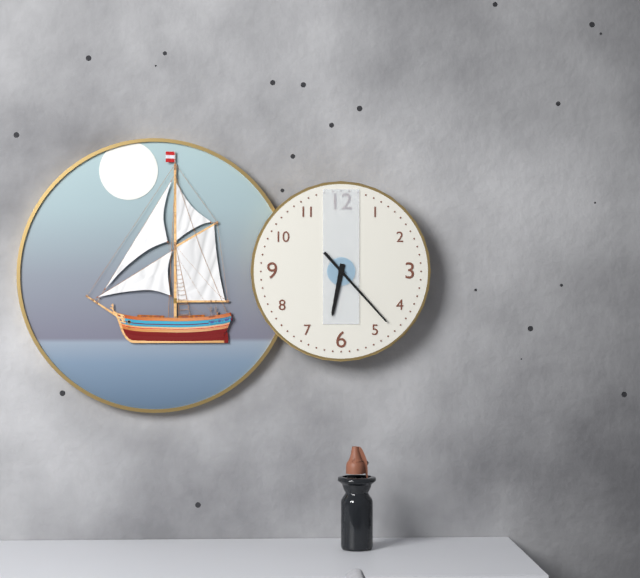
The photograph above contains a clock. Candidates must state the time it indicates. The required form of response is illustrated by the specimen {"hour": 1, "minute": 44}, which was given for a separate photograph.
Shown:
{"hour": 6, "minute": 23}
